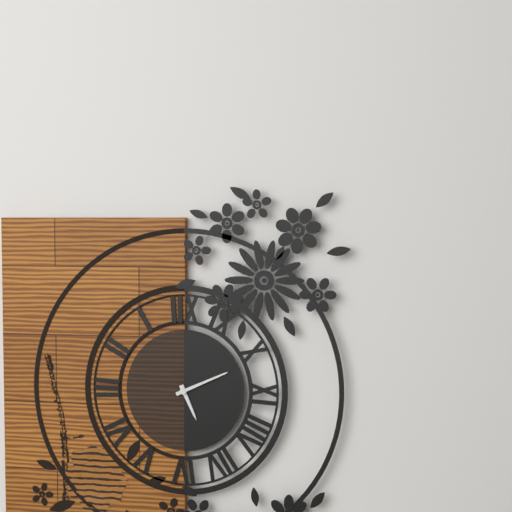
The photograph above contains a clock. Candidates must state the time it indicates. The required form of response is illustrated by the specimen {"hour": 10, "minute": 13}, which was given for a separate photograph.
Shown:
{"hour": 5, "minute": 11}
